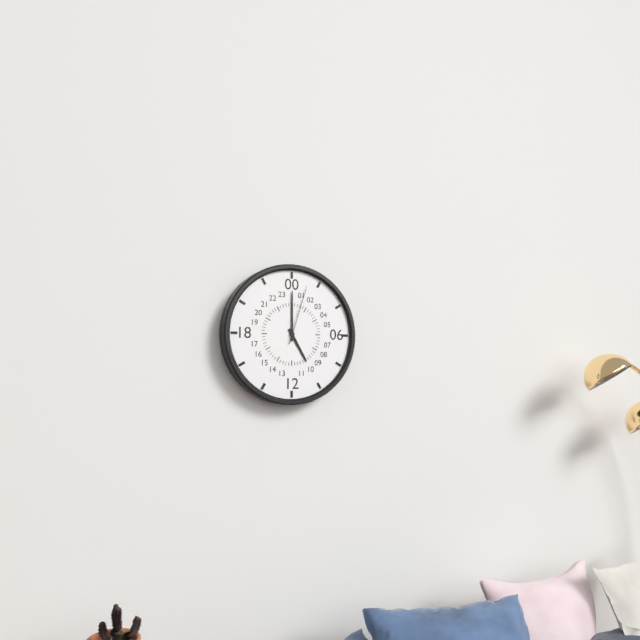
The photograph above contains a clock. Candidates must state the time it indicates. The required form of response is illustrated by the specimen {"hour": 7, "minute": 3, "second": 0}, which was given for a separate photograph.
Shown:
{"hour": 5, "minute": 0, "second": 3}
